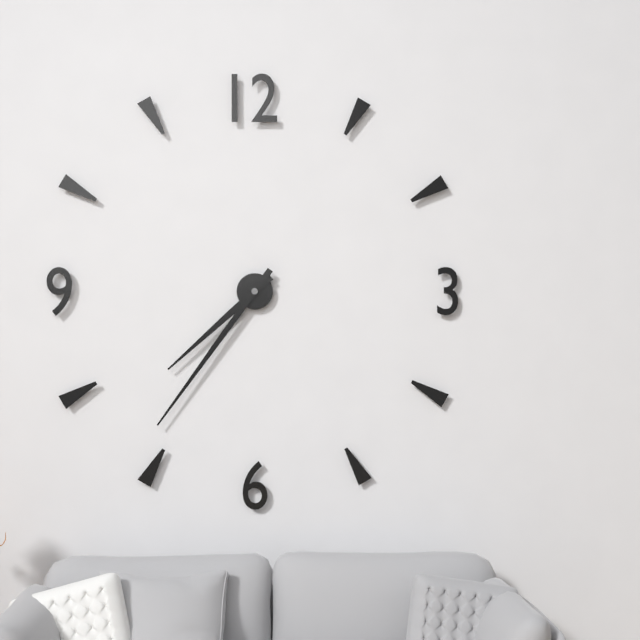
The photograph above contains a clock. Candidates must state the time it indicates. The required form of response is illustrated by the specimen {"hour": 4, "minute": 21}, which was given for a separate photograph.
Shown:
{"hour": 7, "minute": 36}
